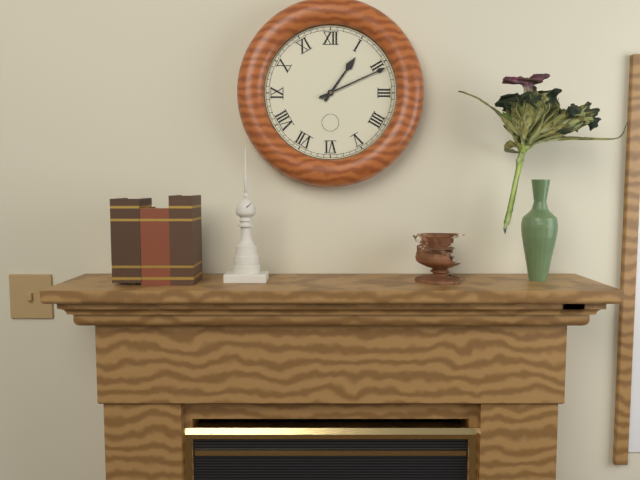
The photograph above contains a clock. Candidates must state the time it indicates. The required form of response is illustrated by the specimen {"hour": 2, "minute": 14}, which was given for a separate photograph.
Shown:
{"hour": 1, "minute": 11}
